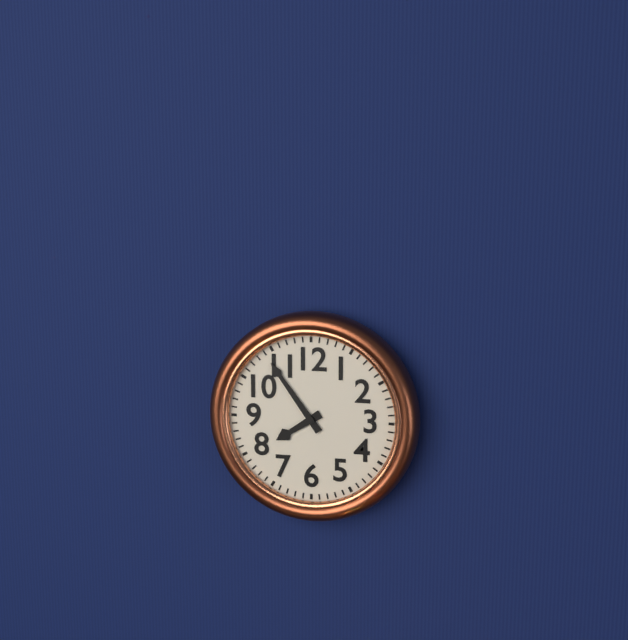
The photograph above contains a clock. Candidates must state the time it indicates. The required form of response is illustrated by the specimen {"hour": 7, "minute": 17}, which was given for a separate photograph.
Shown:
{"hour": 7, "minute": 54}
